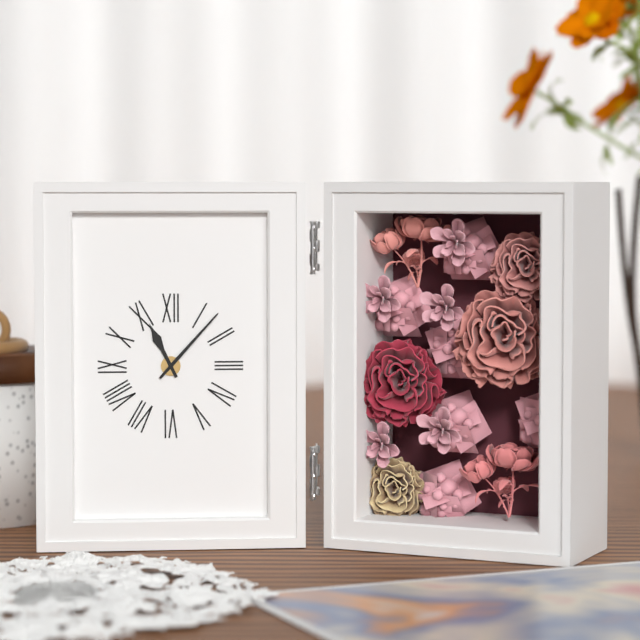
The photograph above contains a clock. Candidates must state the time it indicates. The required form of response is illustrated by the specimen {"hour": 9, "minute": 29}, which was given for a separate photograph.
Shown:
{"hour": 11, "minute": 7}
